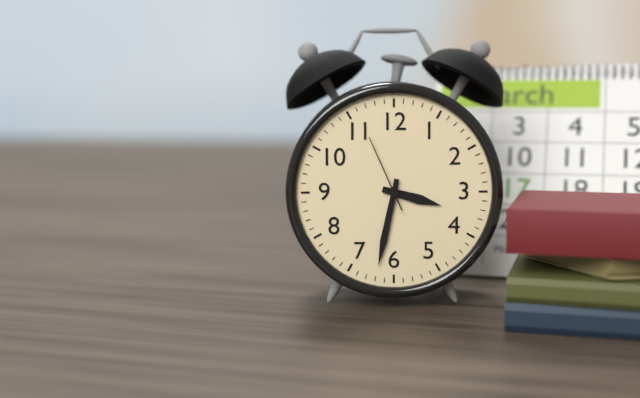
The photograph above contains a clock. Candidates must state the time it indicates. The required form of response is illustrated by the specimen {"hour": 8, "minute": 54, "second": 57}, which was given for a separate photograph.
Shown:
{"hour": 3, "minute": 32, "second": 56}
